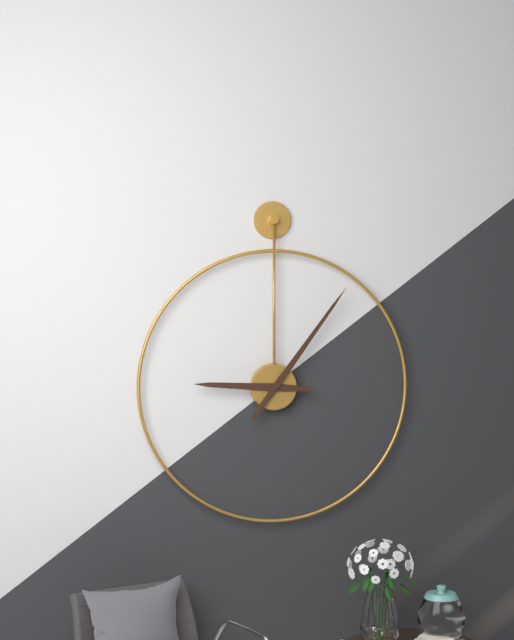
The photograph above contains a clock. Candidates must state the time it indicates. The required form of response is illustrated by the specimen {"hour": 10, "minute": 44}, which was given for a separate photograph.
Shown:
{"hour": 9, "minute": 6}
